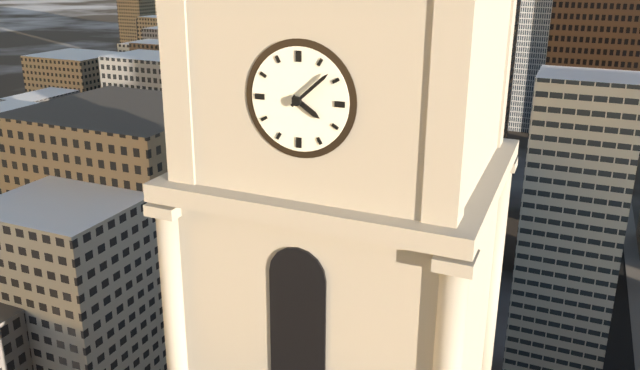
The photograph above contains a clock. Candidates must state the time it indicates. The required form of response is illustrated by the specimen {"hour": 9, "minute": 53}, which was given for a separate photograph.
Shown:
{"hour": 4, "minute": 8}
